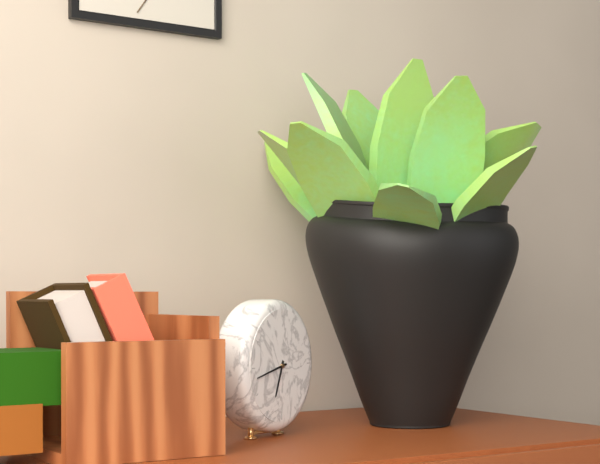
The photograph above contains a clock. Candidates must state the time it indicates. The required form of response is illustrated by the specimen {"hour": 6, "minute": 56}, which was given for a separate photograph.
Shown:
{"hour": 6, "minute": 43}
